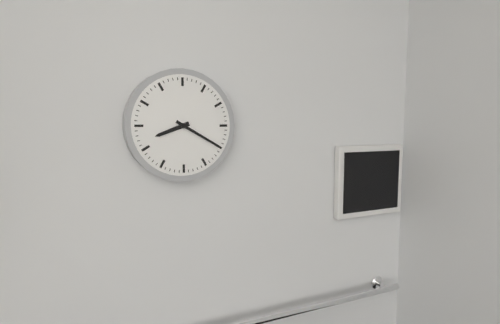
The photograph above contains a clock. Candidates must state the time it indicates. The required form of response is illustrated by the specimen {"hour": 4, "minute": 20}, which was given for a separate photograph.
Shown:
{"hour": 8, "minute": 20}
